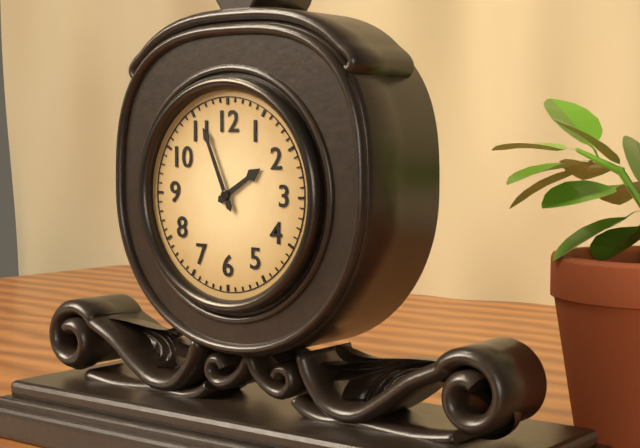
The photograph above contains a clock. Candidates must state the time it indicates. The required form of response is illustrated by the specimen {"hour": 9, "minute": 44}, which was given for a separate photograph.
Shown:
{"hour": 1, "minute": 56}
